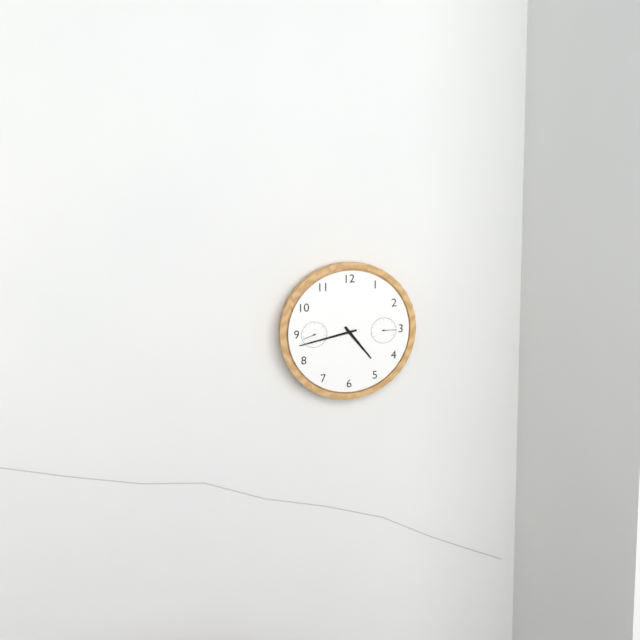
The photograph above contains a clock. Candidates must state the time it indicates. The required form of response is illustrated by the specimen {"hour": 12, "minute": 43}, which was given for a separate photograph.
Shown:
{"hour": 4, "minute": 43}
